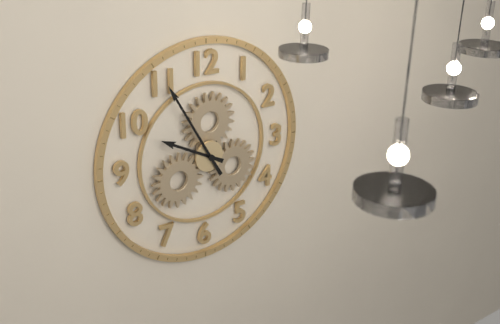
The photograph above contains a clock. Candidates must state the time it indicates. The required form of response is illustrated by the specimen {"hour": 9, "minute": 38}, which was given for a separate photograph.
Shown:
{"hour": 9, "minute": 55}
